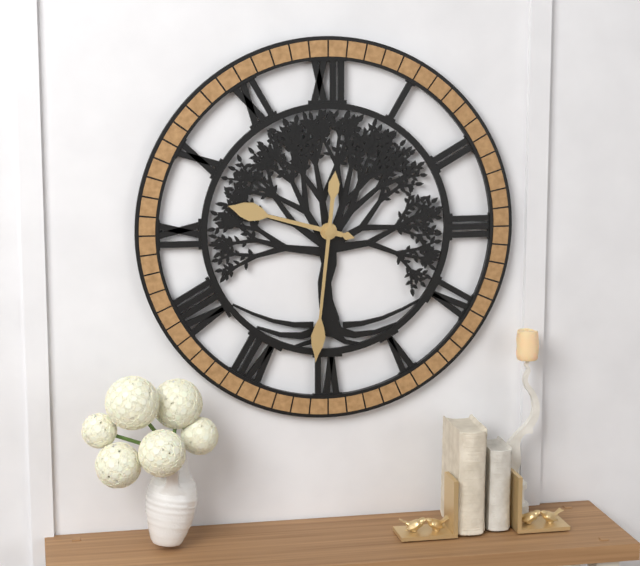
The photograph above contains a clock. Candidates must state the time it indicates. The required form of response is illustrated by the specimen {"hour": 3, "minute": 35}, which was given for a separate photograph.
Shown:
{"hour": 9, "minute": 31}
